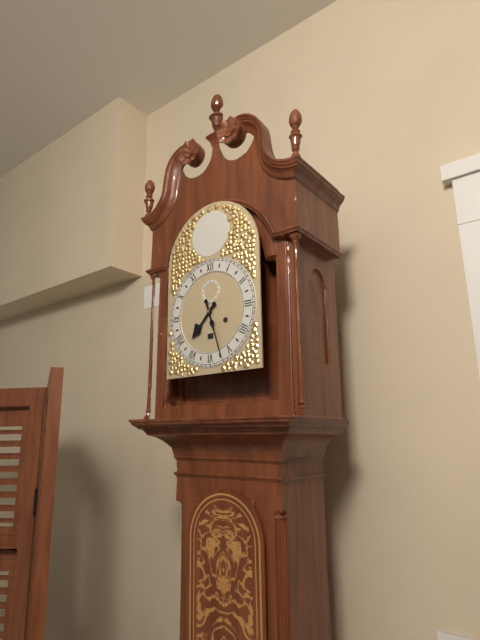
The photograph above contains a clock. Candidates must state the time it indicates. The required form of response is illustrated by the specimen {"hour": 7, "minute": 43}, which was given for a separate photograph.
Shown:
{"hour": 7, "minute": 27}
